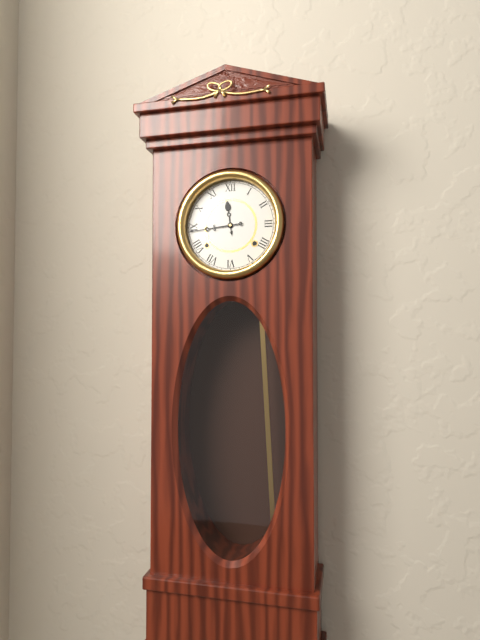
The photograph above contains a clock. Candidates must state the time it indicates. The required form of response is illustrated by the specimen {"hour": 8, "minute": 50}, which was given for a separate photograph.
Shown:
{"hour": 11, "minute": 44}
